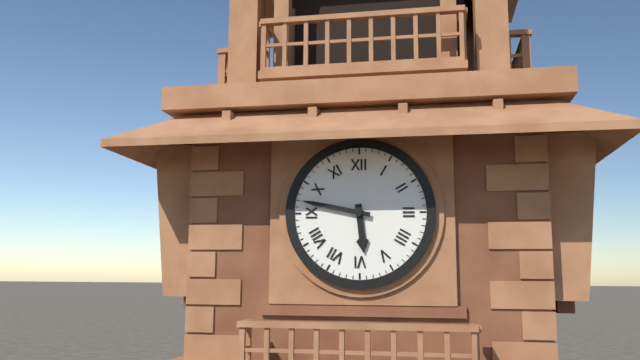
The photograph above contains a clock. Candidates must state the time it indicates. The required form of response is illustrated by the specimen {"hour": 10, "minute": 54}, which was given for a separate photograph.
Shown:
{"hour": 5, "minute": 47}
